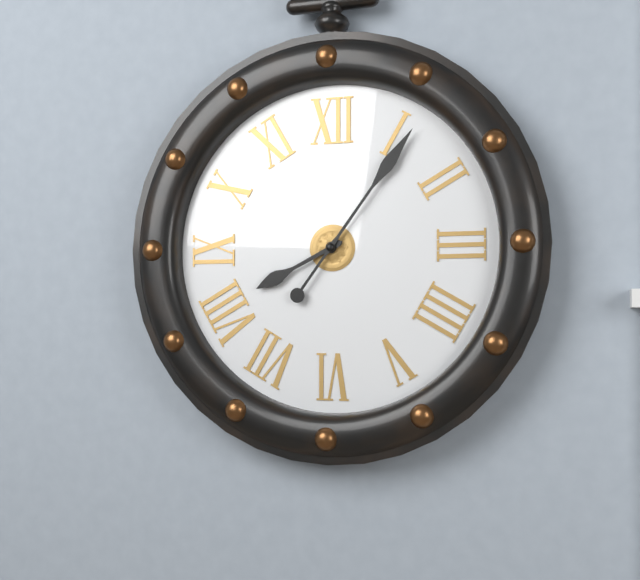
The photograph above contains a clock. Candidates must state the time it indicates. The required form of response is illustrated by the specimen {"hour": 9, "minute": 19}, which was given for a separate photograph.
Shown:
{"hour": 8, "minute": 6}
